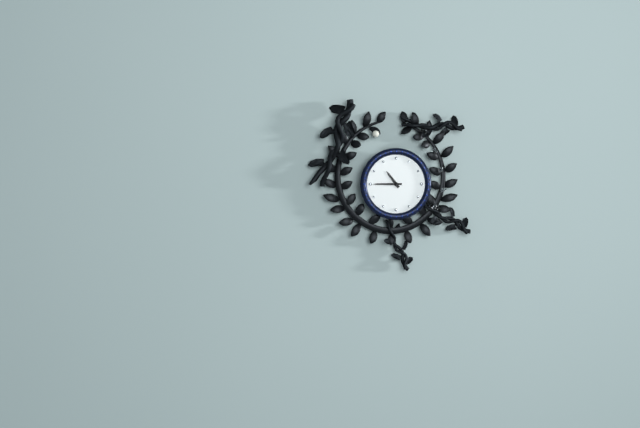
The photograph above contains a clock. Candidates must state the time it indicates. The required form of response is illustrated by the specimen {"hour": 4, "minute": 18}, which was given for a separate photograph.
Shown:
{"hour": 10, "minute": 45}
